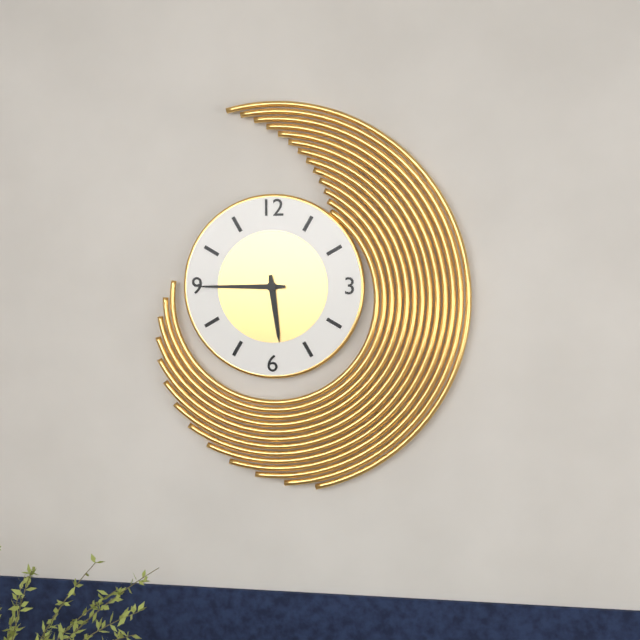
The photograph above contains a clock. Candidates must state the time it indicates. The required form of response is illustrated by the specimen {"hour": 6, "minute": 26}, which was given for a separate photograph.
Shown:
{"hour": 5, "minute": 45}
